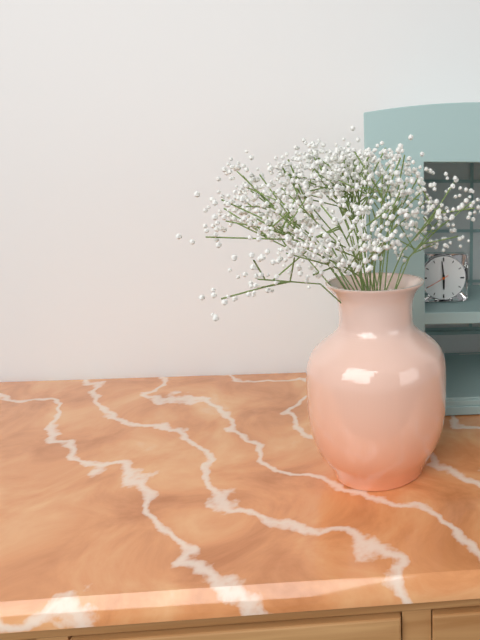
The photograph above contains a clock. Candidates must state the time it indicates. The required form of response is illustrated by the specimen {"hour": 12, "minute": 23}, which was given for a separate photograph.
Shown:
{"hour": 5, "minute": 59}
